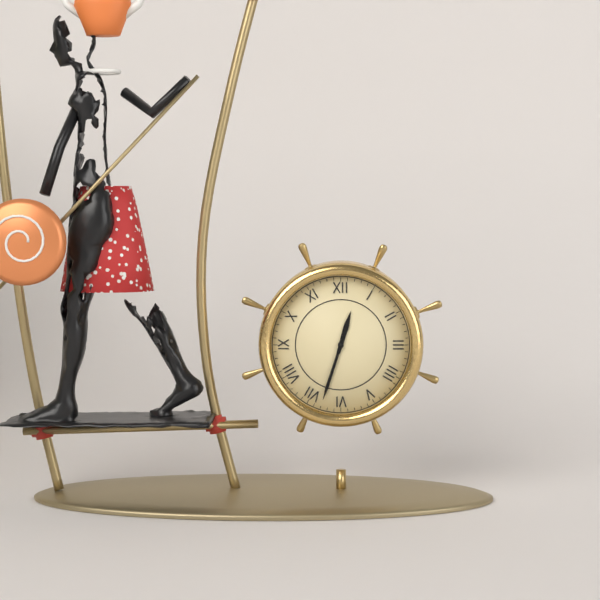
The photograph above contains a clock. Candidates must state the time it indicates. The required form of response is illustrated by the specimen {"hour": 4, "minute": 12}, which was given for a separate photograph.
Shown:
{"hour": 12, "minute": 33}
